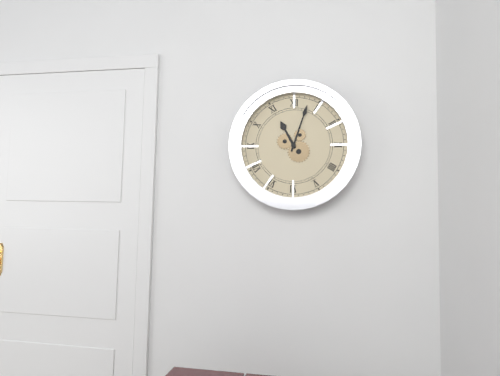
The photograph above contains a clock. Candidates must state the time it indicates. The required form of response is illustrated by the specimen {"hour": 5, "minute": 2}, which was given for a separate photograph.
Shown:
{"hour": 11, "minute": 3}
